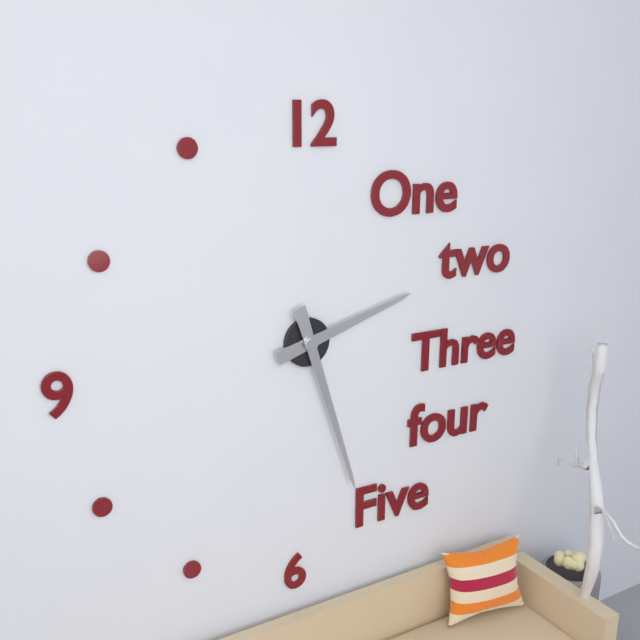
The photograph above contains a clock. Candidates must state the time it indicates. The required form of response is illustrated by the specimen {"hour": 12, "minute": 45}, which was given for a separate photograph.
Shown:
{"hour": 2, "minute": 27}
